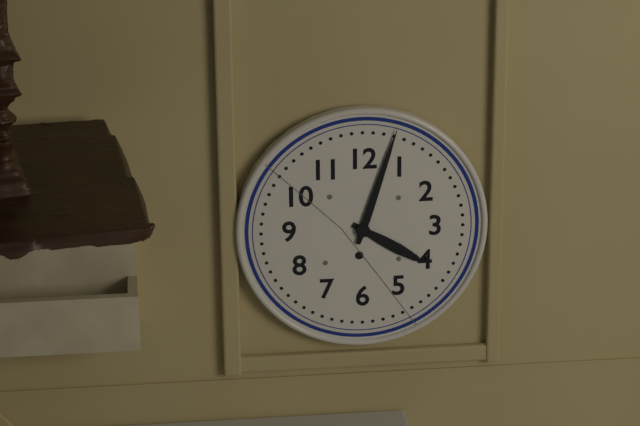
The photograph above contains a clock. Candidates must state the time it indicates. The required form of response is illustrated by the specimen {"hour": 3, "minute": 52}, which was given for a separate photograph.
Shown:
{"hour": 4, "minute": 3}
